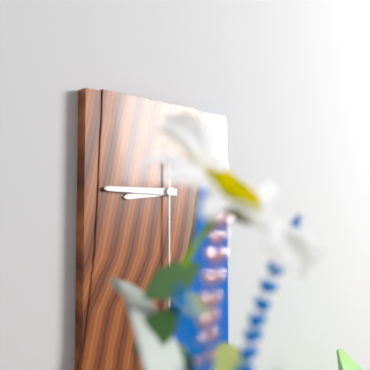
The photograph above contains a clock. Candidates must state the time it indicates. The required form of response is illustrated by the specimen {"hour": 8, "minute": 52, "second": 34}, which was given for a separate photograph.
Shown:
{"hour": 8, "minute": 45, "second": 30}
